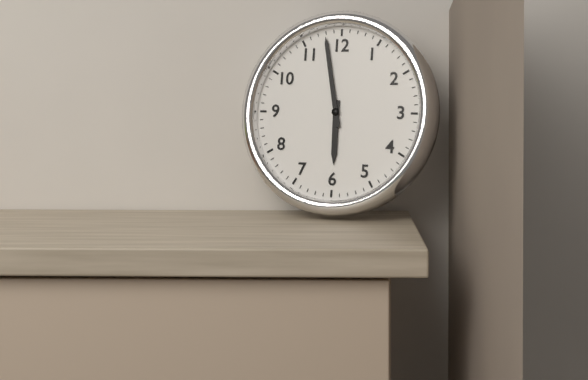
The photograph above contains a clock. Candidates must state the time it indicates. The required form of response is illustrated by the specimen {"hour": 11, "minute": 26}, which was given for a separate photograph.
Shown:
{"hour": 5, "minute": 58}
